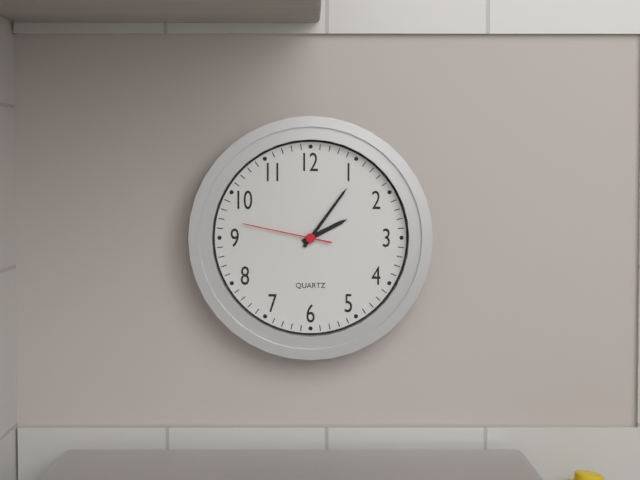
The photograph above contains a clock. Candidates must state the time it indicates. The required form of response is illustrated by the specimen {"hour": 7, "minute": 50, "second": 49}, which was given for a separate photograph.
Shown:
{"hour": 2, "minute": 6, "second": 47}
